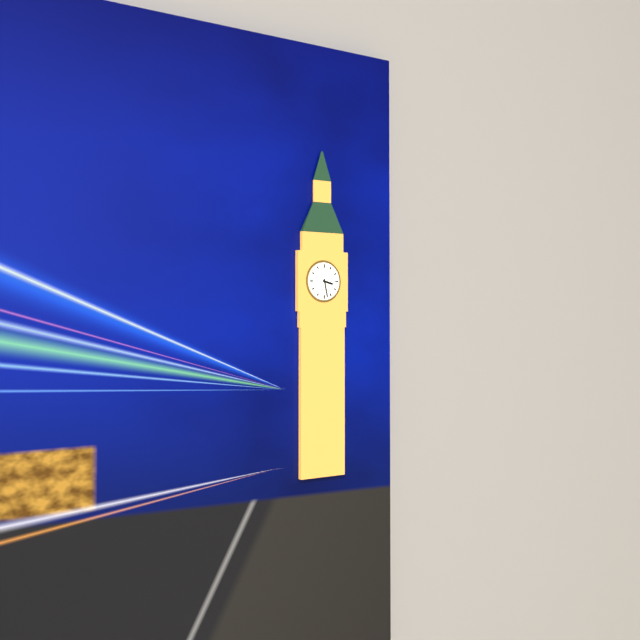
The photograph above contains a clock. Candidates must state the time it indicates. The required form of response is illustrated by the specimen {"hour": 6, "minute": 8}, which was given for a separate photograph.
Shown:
{"hour": 3, "minute": 28}
